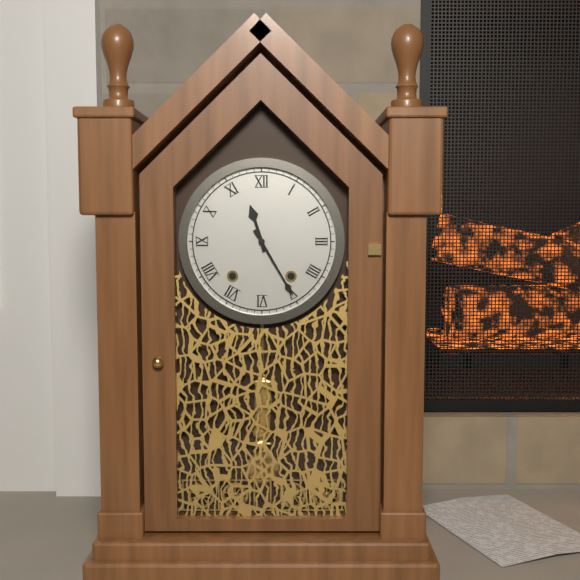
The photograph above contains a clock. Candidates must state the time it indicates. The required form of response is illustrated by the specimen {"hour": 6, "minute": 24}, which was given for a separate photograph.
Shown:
{"hour": 11, "minute": 25}
